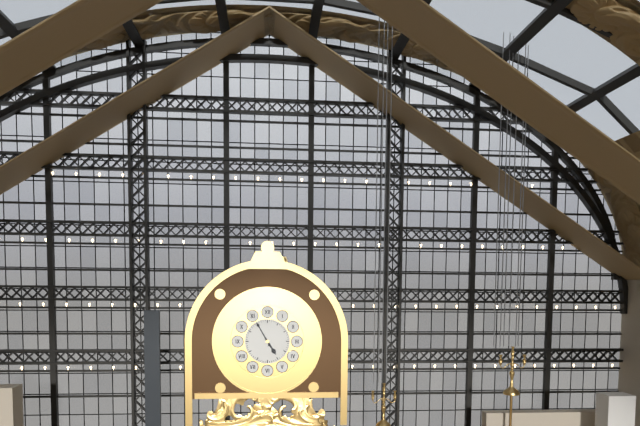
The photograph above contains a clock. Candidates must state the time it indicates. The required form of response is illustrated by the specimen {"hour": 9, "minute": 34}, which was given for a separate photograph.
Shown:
{"hour": 4, "minute": 55}
